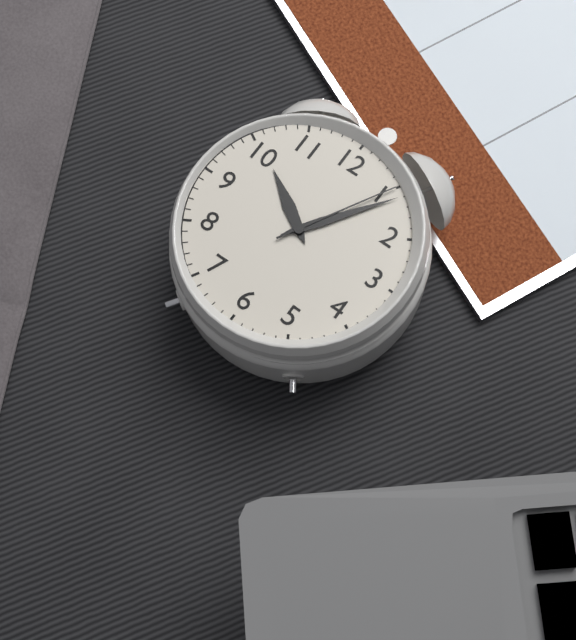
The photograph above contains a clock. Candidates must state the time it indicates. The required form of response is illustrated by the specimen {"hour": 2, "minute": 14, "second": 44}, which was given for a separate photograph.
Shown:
{"hour": 10, "minute": 6, "second": 5}
